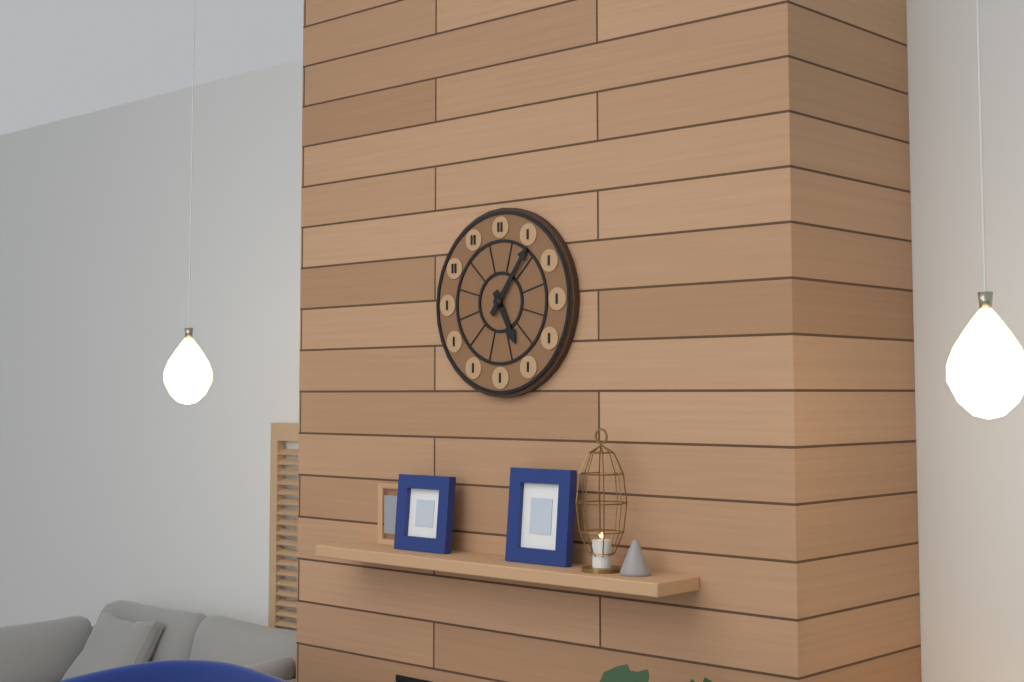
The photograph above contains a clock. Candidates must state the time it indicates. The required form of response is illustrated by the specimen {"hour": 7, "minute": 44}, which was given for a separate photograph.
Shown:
{"hour": 5, "minute": 6}
